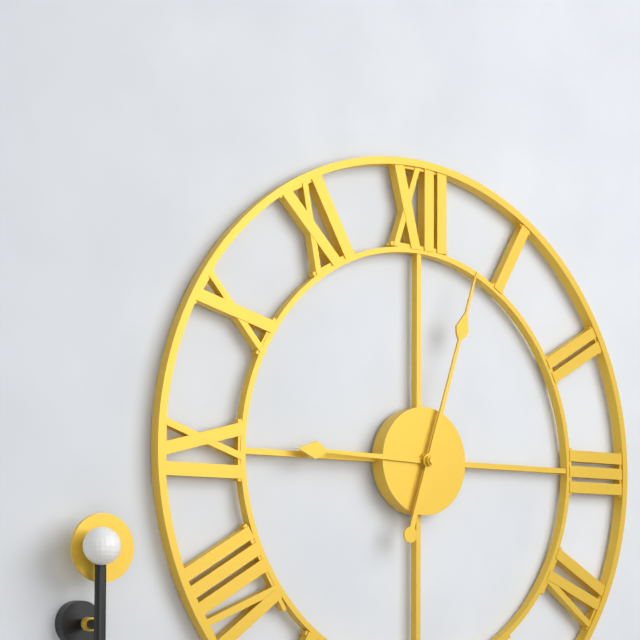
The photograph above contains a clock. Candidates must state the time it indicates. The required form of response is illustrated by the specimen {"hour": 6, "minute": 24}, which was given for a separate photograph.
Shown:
{"hour": 9, "minute": 3}
